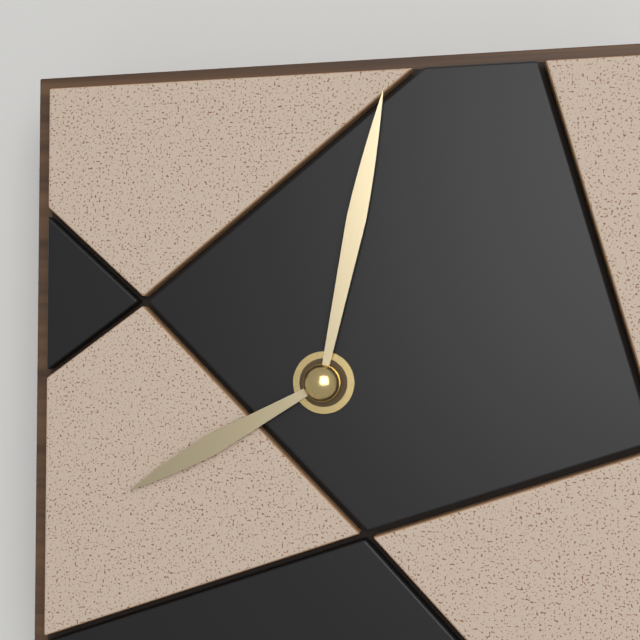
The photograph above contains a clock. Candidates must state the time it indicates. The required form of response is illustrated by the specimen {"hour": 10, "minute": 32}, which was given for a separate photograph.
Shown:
{"hour": 8, "minute": 2}
